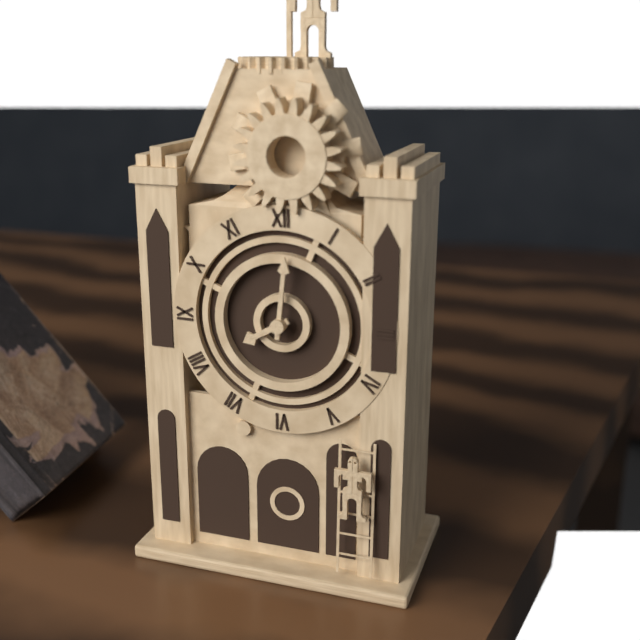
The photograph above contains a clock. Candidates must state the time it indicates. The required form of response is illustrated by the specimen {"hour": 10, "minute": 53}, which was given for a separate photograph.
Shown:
{"hour": 8, "minute": 1}
